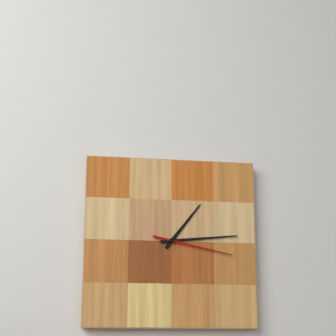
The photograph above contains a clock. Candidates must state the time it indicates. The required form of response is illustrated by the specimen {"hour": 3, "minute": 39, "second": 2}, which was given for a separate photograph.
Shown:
{"hour": 1, "minute": 14, "second": 17}
